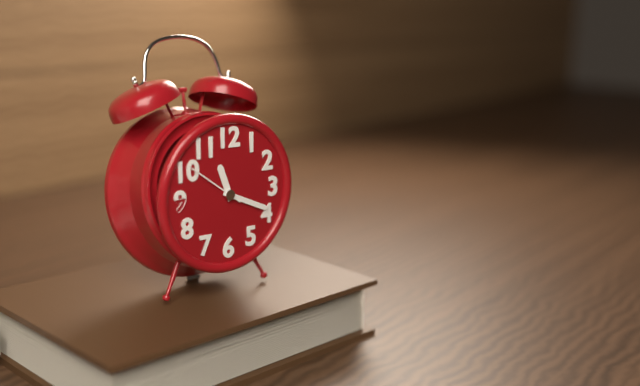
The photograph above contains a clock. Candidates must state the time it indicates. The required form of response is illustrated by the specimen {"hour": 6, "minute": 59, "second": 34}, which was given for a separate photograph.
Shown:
{"hour": 11, "minute": 19, "second": 51}
